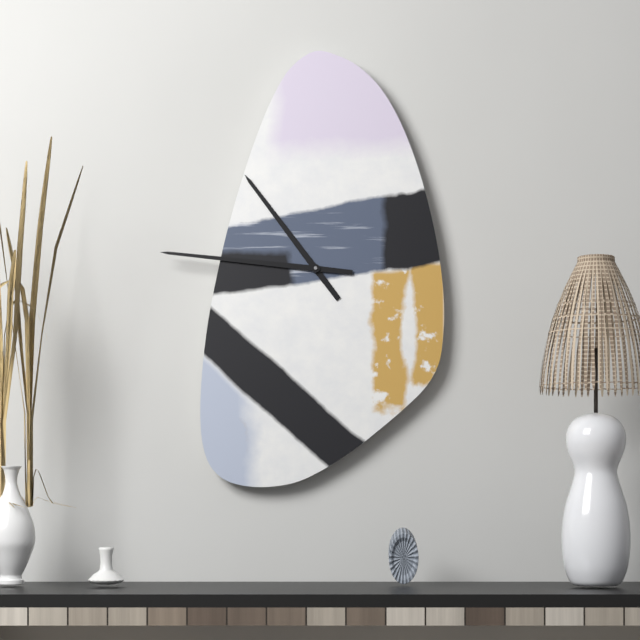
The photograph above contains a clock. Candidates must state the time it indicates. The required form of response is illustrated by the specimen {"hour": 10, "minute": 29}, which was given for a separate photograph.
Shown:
{"hour": 10, "minute": 46}
